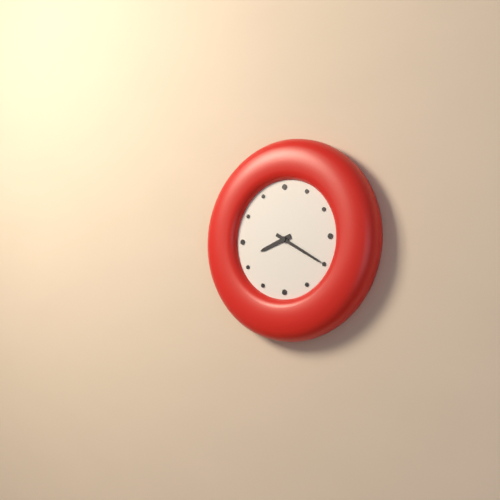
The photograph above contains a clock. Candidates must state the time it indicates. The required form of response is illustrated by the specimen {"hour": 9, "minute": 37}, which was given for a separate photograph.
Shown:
{"hour": 8, "minute": 20}
